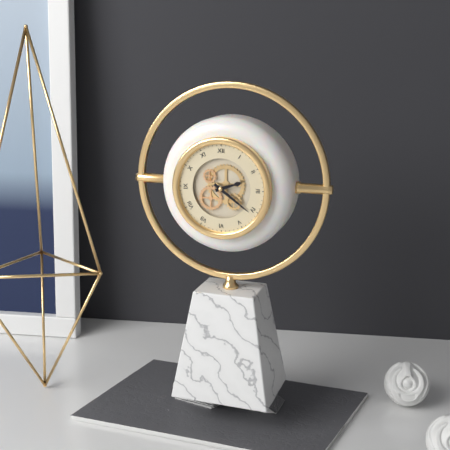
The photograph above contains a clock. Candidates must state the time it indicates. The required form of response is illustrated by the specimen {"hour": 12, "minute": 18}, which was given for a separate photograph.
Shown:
{"hour": 2, "minute": 21}
